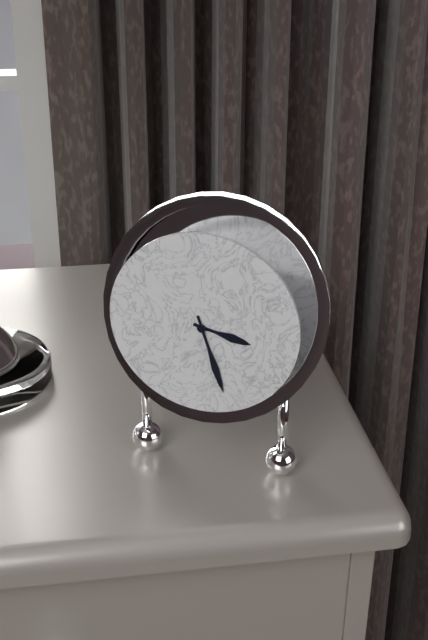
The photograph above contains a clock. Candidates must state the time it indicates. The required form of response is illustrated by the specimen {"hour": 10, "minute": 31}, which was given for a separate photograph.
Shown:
{"hour": 3, "minute": 27}
